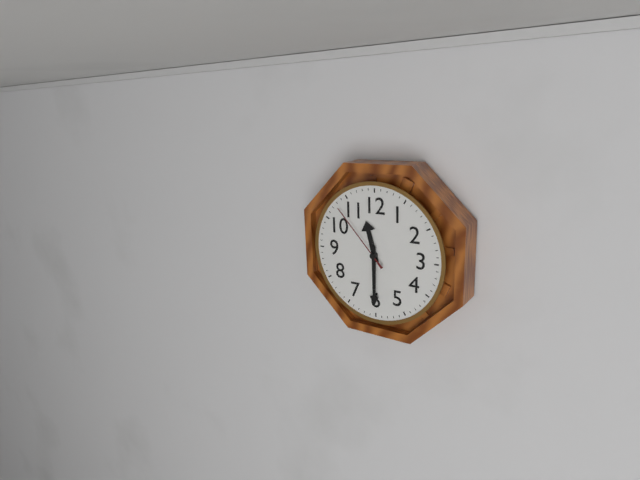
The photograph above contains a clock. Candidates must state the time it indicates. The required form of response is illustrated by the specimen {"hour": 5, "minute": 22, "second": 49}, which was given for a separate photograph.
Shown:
{"hour": 11, "minute": 30, "second": 53}
